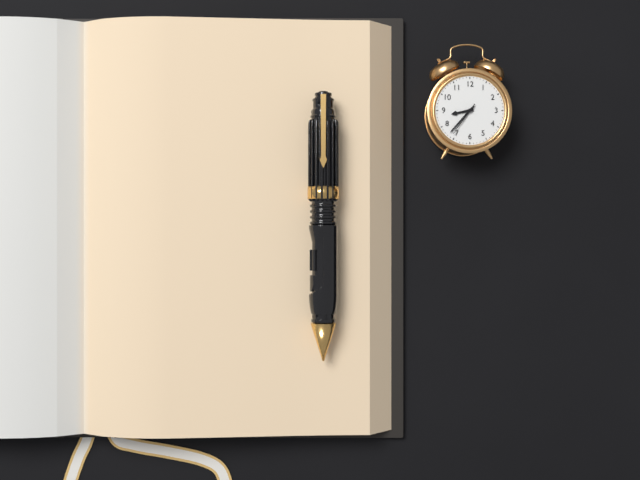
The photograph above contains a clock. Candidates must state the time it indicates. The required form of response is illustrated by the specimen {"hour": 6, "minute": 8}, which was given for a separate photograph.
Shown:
{"hour": 8, "minute": 37}
